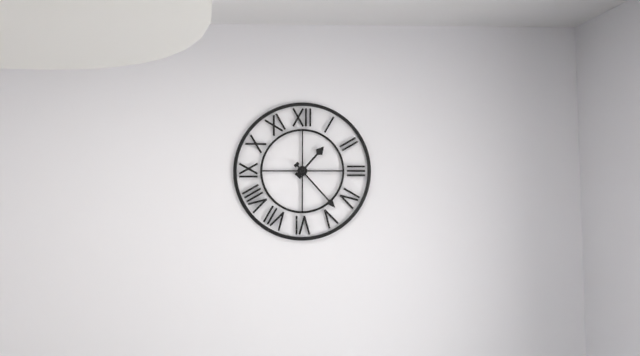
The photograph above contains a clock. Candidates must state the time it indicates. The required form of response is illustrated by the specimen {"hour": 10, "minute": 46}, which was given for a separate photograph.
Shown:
{"hour": 1, "minute": 23}
